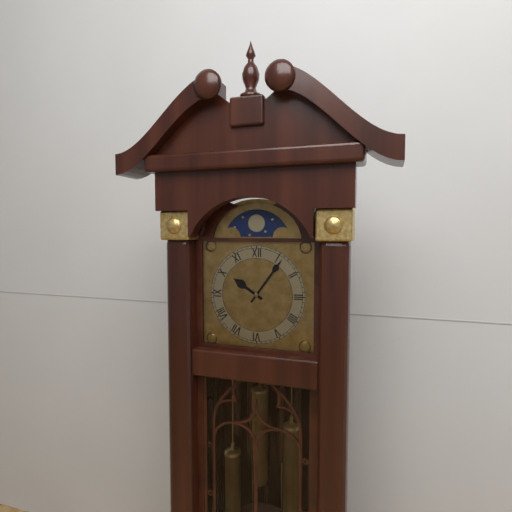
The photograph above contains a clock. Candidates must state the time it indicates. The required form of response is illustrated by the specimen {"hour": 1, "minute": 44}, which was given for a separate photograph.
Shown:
{"hour": 10, "minute": 6}
